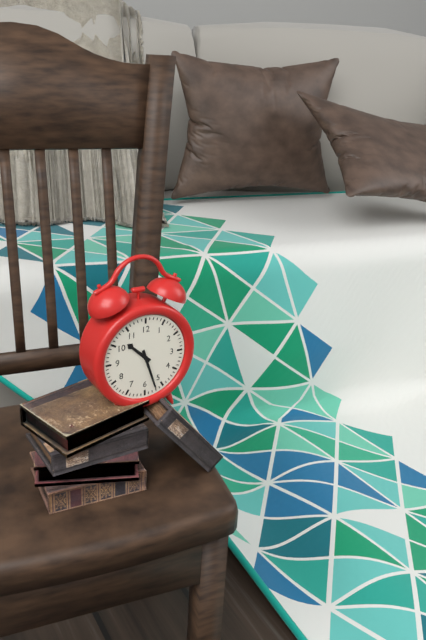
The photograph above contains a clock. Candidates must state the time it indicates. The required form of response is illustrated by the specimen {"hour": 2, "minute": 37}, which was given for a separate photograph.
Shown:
{"hour": 10, "minute": 27}
